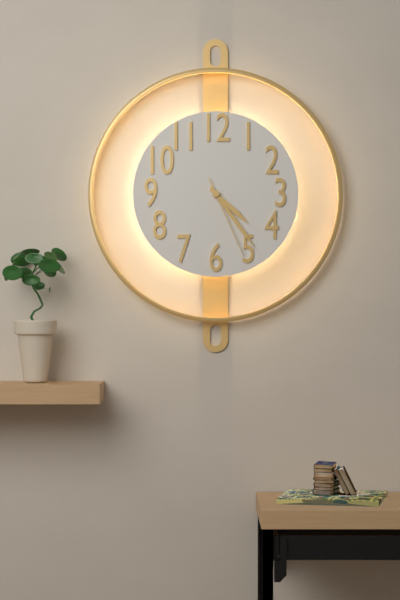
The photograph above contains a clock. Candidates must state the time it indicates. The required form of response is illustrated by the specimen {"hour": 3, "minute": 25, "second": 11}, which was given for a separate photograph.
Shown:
{"hour": 4, "minute": 24, "second": 26}
